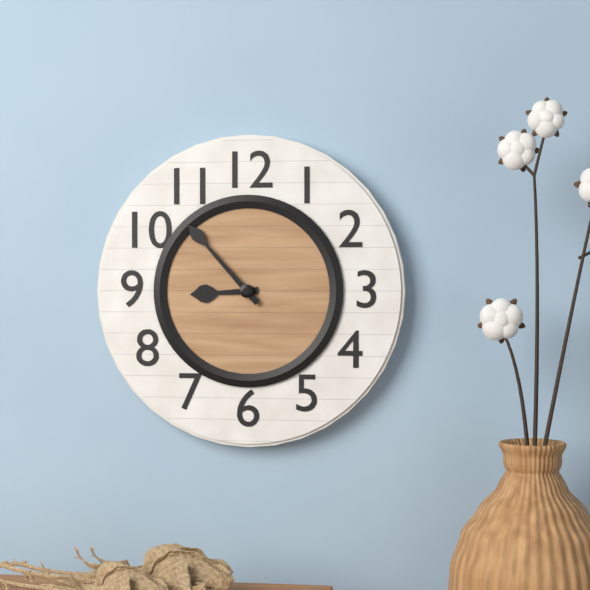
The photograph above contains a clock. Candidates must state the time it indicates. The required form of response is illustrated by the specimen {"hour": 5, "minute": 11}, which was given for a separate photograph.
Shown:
{"hour": 8, "minute": 53}
